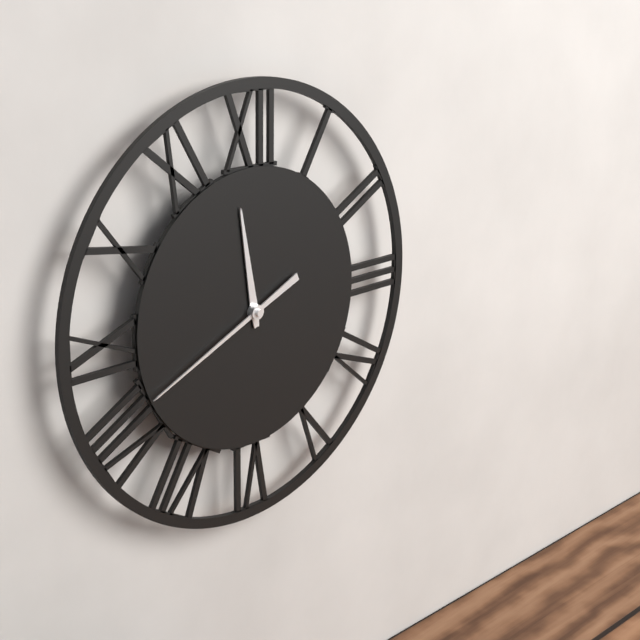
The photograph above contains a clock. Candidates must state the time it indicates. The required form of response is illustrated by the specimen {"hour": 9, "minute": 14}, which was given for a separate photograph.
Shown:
{"hour": 11, "minute": 41}
